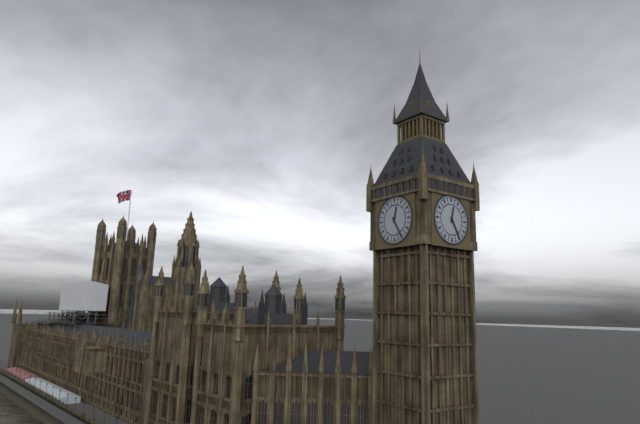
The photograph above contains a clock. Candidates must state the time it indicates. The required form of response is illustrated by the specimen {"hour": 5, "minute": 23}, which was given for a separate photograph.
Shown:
{"hour": 12, "minute": 25}
